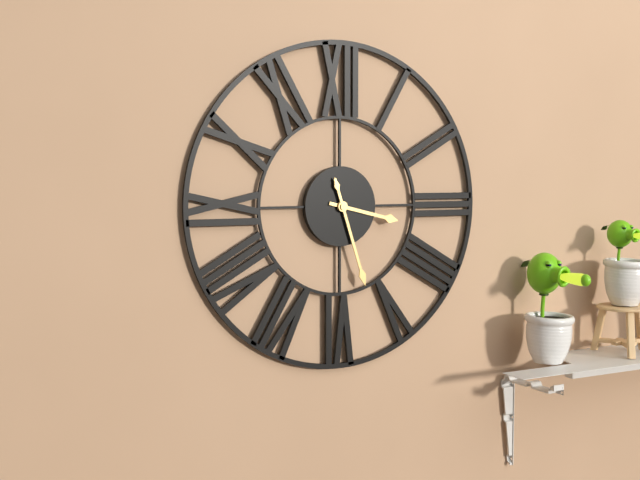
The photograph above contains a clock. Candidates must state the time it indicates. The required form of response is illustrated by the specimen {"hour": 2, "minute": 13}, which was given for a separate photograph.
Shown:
{"hour": 3, "minute": 27}
